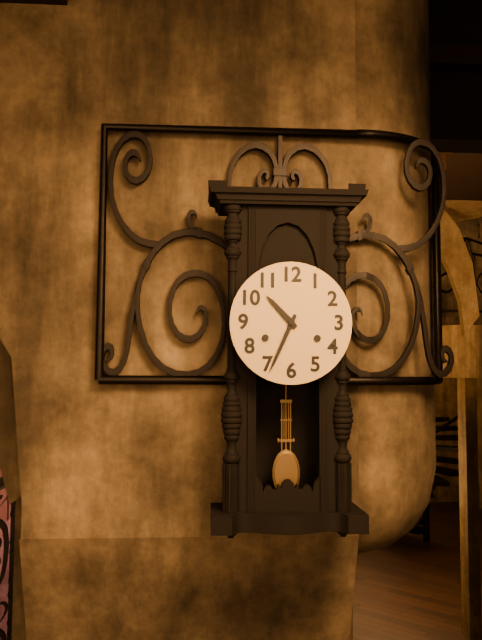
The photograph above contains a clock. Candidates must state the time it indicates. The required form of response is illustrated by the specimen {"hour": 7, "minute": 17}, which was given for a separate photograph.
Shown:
{"hour": 10, "minute": 34}
